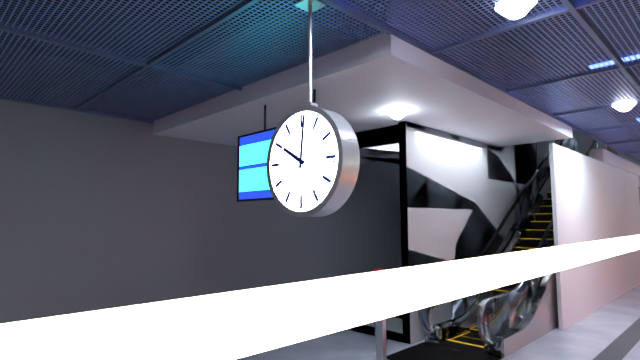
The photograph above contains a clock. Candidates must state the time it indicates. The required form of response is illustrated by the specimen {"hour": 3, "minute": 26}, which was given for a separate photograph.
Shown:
{"hour": 10, "minute": 1}
